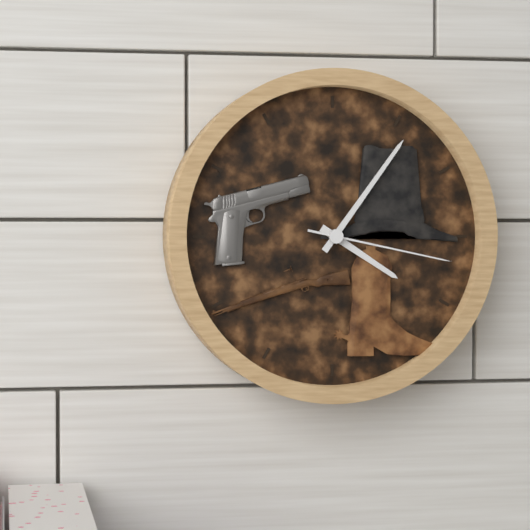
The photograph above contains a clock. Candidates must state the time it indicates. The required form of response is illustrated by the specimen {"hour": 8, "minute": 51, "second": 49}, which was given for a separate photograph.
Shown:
{"hour": 4, "minute": 6, "second": 17}
